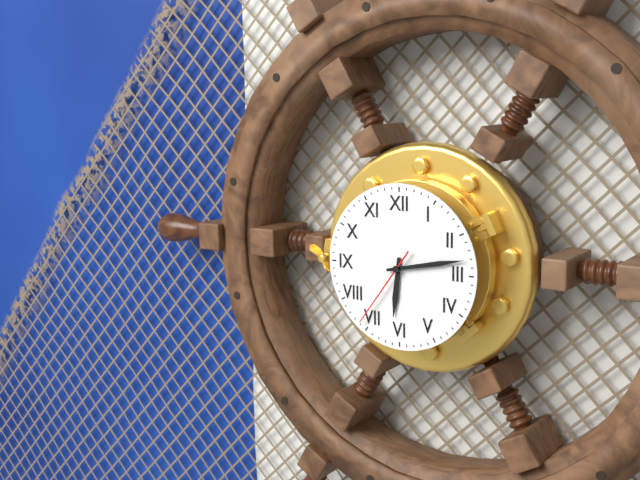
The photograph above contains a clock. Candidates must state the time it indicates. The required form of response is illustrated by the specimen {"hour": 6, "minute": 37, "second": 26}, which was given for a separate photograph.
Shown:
{"hour": 6, "minute": 13, "second": 36}
